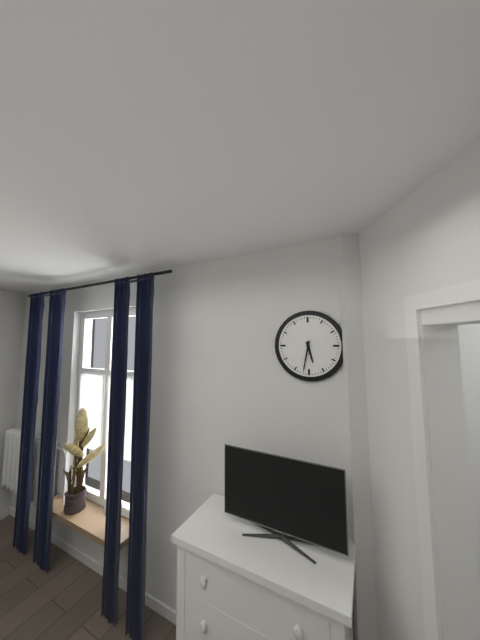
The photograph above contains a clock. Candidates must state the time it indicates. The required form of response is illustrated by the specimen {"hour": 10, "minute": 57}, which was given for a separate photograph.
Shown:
{"hour": 5, "minute": 32}
